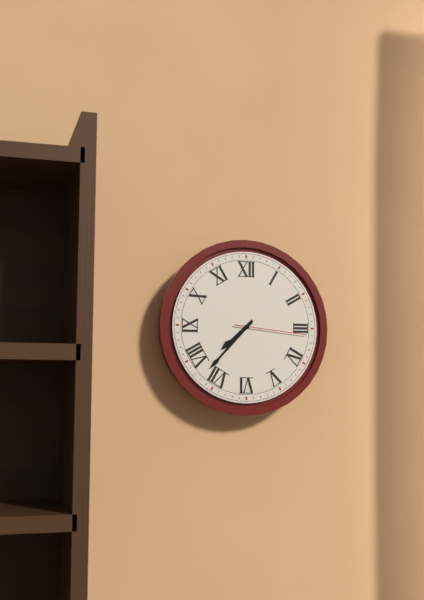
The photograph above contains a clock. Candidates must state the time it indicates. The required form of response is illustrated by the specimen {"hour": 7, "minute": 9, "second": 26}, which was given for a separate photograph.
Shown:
{"hour": 7, "minute": 37, "second": 16}
